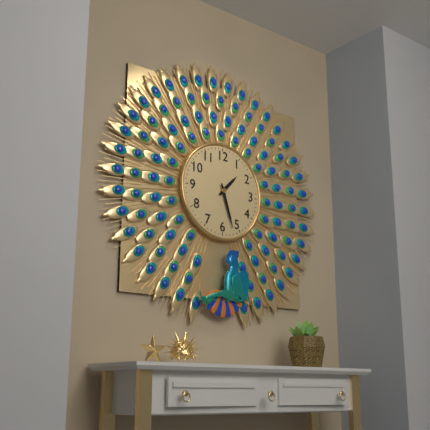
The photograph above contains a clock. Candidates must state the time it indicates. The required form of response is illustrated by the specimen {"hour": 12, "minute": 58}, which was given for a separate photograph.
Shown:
{"hour": 1, "minute": 27}
